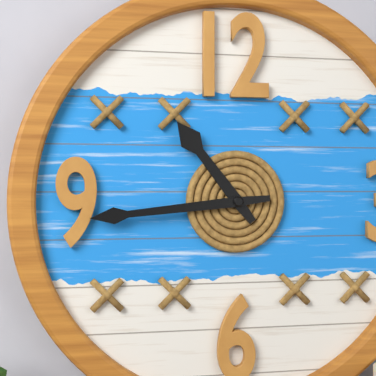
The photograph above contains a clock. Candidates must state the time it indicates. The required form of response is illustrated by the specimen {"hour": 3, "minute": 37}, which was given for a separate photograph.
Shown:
{"hour": 10, "minute": 44}
